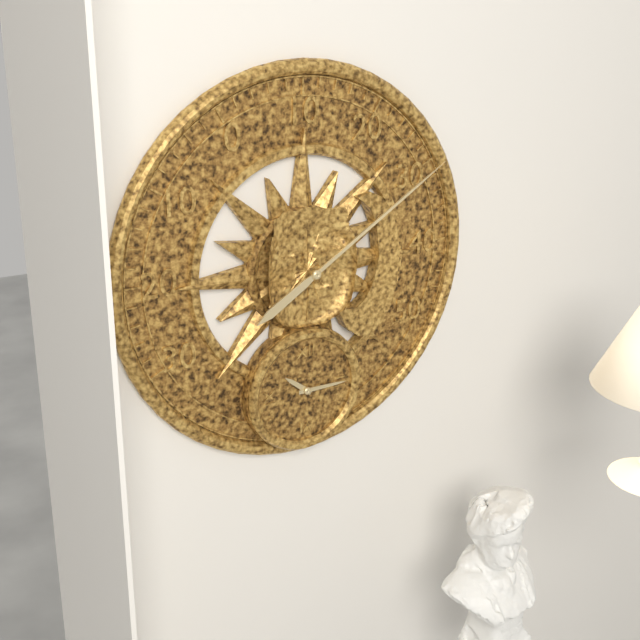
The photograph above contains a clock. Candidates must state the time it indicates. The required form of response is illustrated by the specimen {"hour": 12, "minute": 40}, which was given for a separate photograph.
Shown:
{"hour": 10, "minute": 15}
